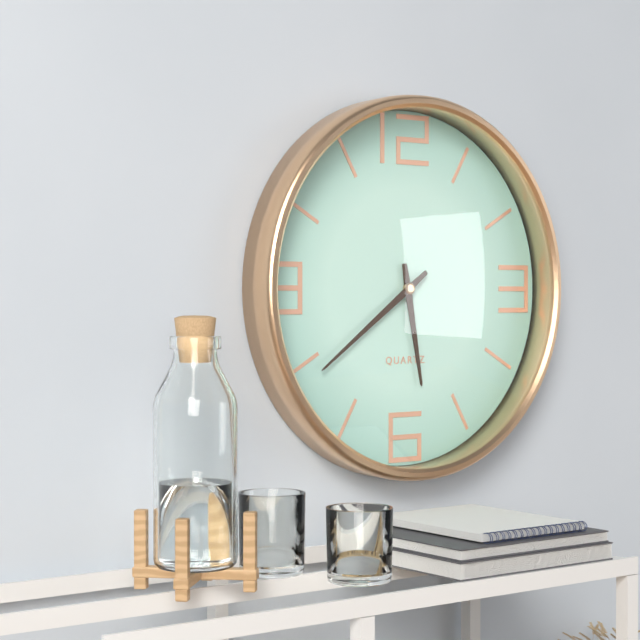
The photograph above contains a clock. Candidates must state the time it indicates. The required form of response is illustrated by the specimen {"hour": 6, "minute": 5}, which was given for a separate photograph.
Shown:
{"hour": 5, "minute": 39}
